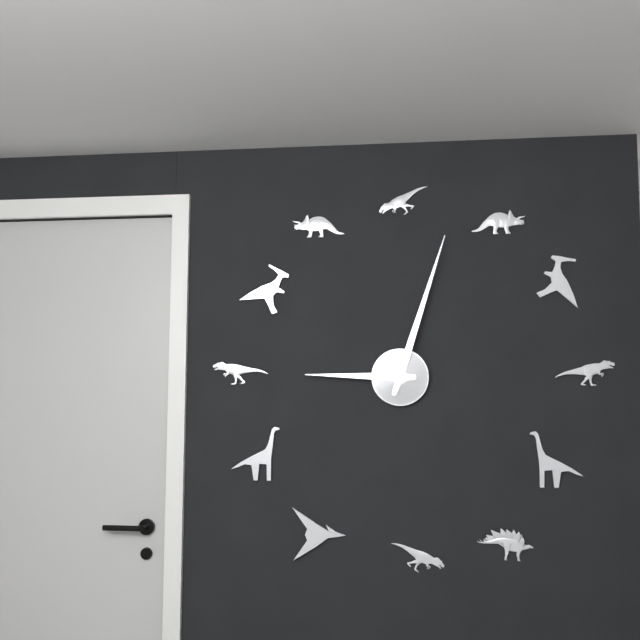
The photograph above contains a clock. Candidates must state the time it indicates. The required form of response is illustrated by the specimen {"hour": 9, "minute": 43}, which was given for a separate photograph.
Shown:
{"hour": 9, "minute": 3}
